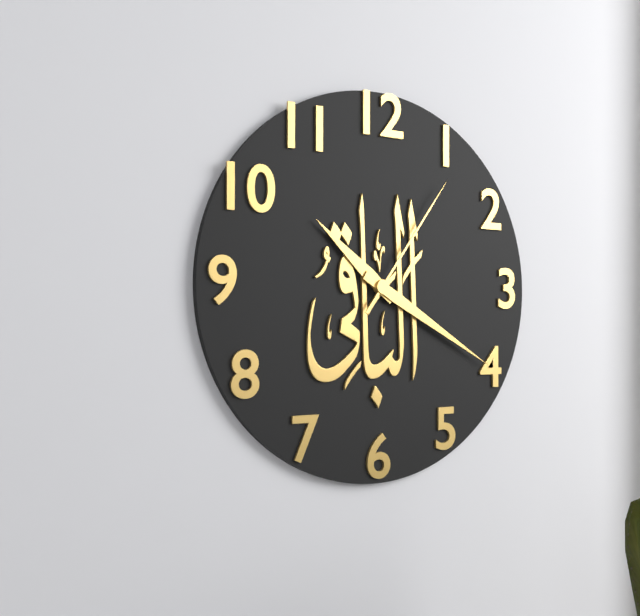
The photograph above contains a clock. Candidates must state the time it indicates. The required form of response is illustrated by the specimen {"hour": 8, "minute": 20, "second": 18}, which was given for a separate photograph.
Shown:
{"hour": 10, "minute": 20, "second": 6}
